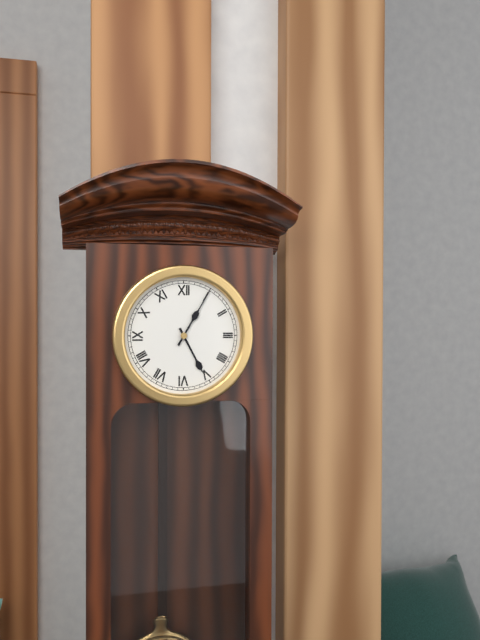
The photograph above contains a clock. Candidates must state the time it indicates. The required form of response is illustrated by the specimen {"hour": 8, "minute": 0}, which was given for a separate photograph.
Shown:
{"hour": 5, "minute": 5}
